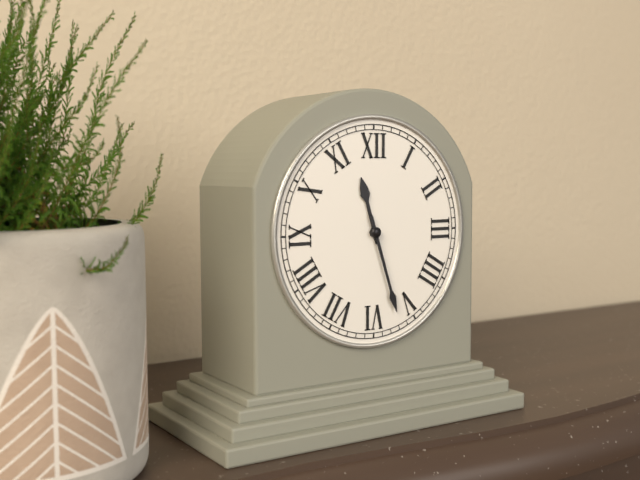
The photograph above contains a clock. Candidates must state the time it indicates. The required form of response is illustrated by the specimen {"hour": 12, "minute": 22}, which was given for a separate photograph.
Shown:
{"hour": 11, "minute": 27}
